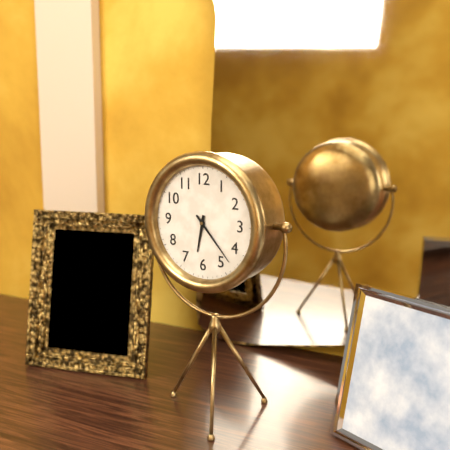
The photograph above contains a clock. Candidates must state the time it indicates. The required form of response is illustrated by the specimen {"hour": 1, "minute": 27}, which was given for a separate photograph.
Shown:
{"hour": 6, "minute": 23}
